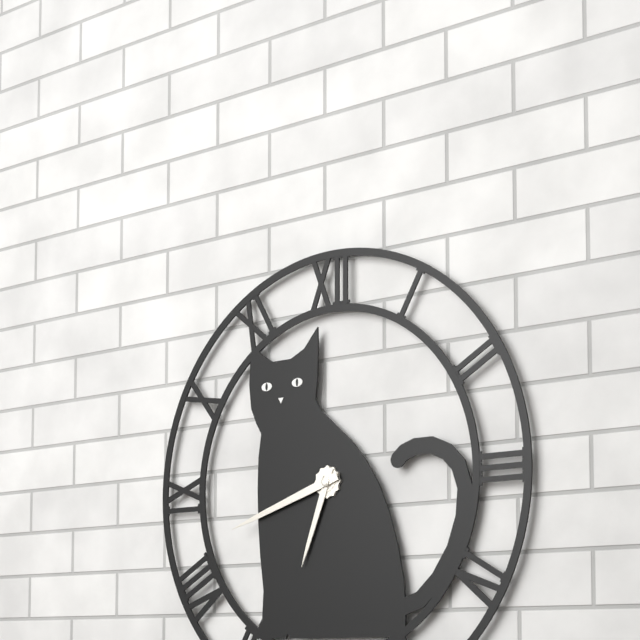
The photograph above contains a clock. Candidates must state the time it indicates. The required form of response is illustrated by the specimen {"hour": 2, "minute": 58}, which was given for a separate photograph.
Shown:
{"hour": 6, "minute": 42}
